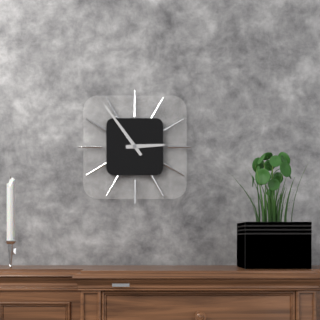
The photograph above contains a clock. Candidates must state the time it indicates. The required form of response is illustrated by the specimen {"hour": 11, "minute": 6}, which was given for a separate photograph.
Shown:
{"hour": 2, "minute": 54}
